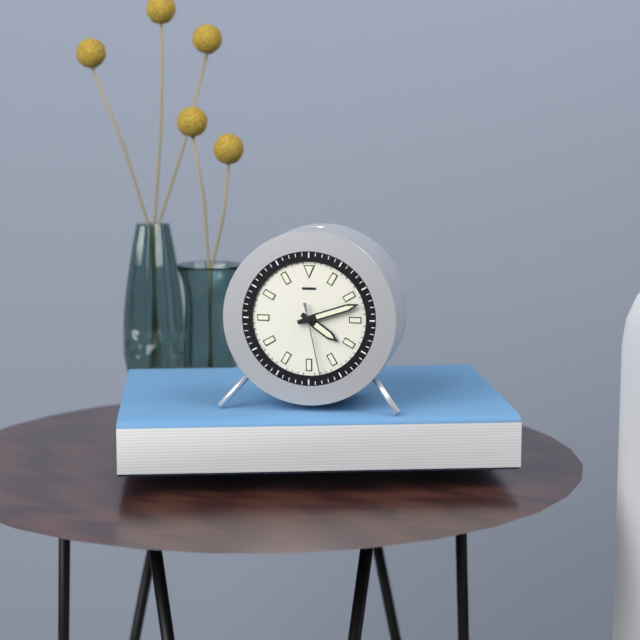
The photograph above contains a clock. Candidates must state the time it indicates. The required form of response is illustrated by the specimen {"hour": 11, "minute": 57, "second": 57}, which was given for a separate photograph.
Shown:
{"hour": 4, "minute": 12, "second": 28}
